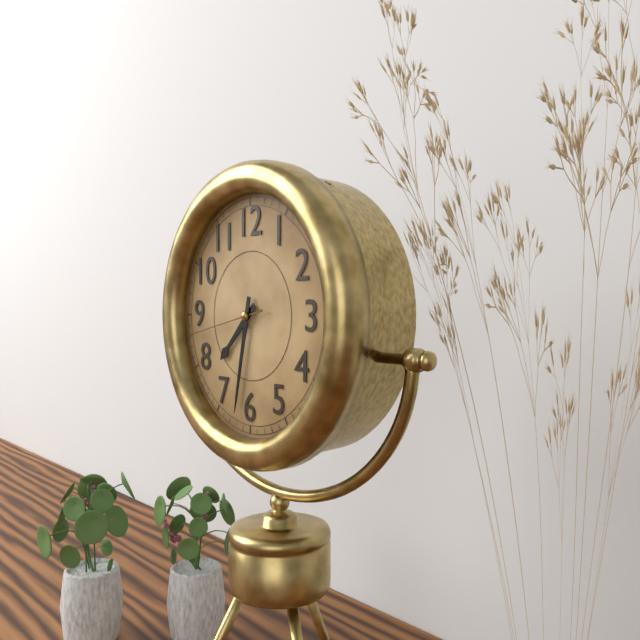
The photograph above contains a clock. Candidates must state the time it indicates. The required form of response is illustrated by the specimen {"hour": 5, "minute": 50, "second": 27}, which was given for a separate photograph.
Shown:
{"hour": 7, "minute": 32, "second": 43}
